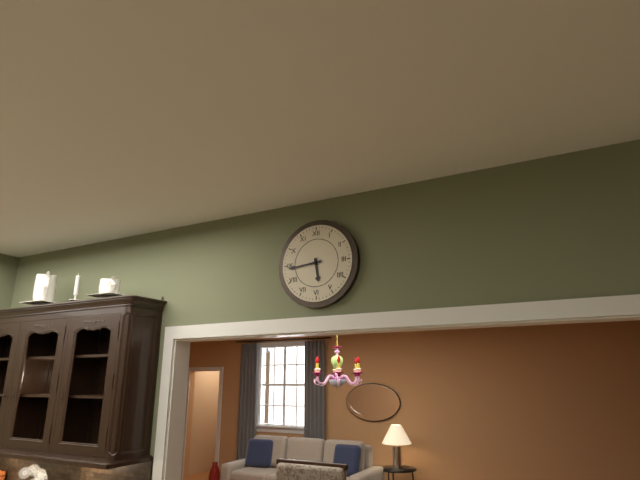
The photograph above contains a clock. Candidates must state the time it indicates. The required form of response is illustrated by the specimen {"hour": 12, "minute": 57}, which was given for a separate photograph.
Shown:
{"hour": 5, "minute": 44}
